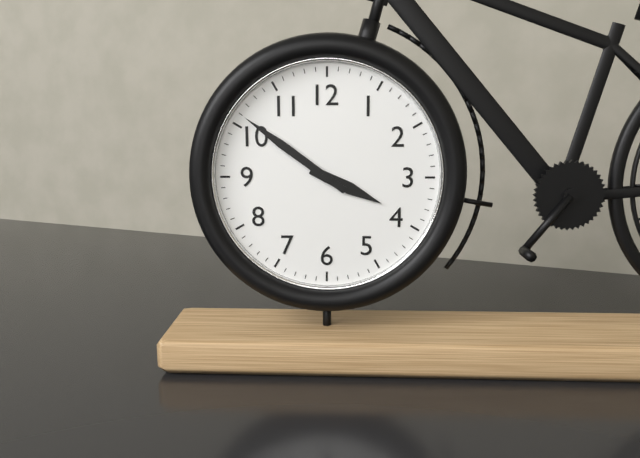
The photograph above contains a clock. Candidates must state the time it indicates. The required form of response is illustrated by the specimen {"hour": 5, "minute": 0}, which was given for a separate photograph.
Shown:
{"hour": 3, "minute": 51}
